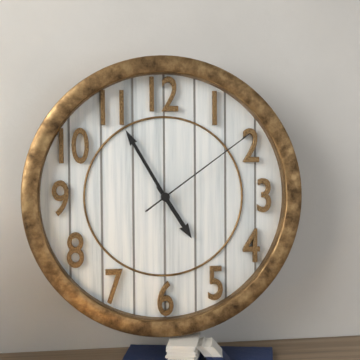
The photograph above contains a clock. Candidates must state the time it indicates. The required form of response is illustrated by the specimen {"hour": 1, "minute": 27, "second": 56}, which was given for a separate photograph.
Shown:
{"hour": 4, "minute": 55, "second": 9}
